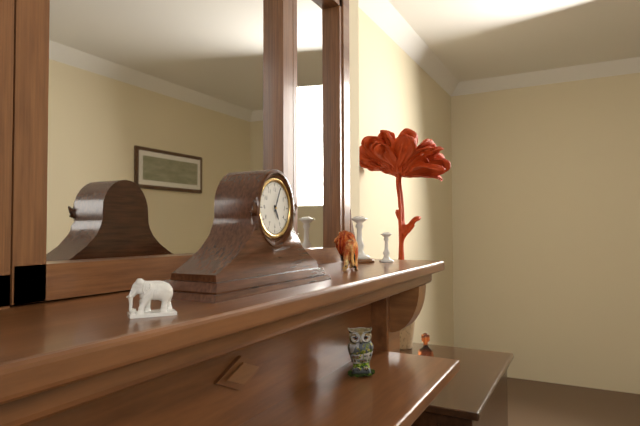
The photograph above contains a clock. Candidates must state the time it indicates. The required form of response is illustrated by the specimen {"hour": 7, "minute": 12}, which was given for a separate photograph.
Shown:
{"hour": 5, "minute": 4}
